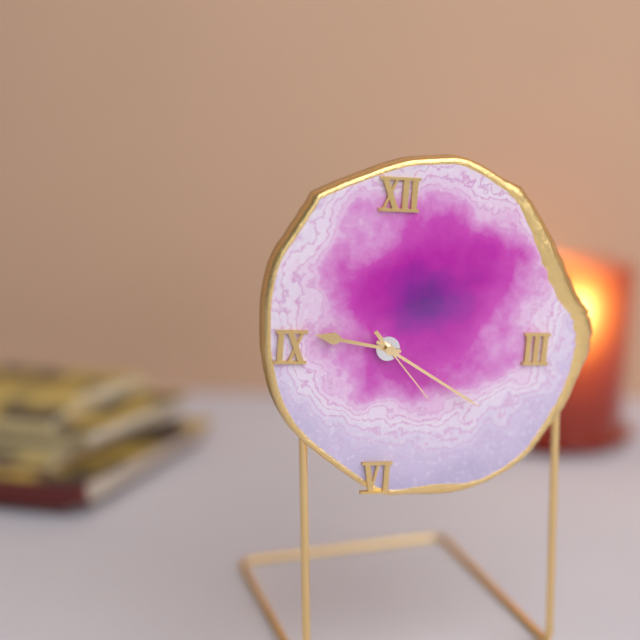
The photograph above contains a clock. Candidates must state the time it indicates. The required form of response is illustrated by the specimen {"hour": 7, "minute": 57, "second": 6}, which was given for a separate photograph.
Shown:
{"hour": 9, "minute": 20, "second": 23}
